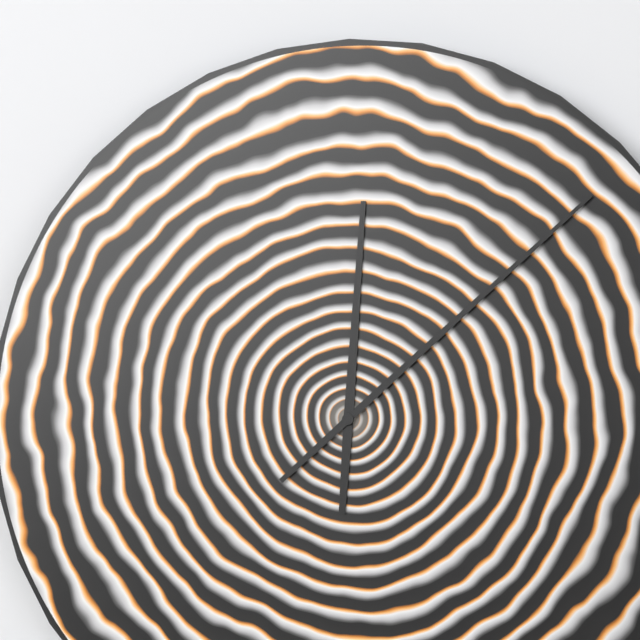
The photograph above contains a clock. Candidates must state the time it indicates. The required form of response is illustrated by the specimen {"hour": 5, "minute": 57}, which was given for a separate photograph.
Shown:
{"hour": 12, "minute": 8}
